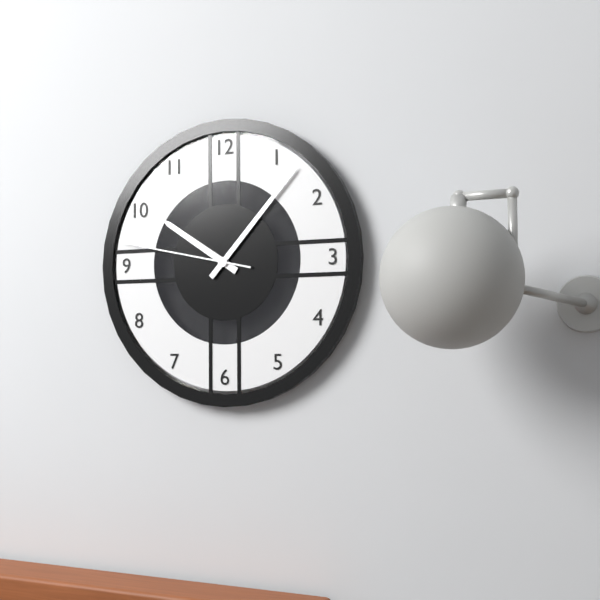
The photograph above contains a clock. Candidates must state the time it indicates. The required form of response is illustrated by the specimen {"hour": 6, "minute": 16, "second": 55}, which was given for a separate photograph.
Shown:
{"hour": 10, "minute": 7, "second": 47}
